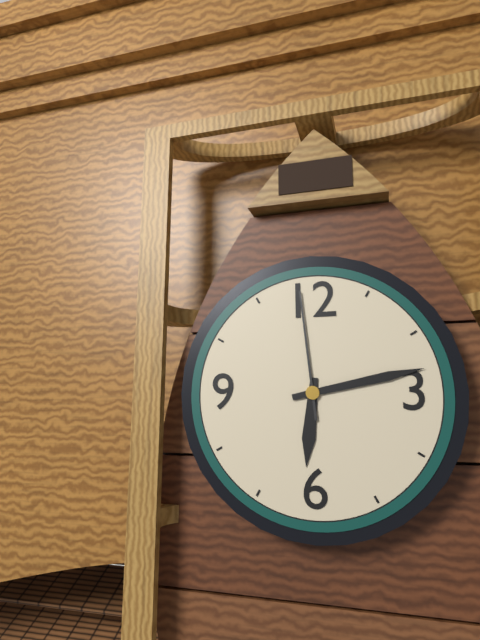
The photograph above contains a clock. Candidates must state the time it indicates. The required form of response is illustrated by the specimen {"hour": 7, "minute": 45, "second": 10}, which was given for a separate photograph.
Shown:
{"hour": 6, "minute": 13, "second": 59}
